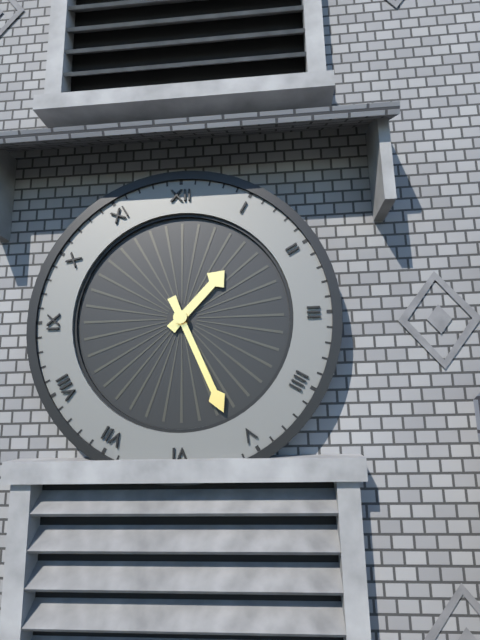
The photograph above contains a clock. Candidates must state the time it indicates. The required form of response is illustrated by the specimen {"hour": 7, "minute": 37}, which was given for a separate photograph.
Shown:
{"hour": 1, "minute": 26}
